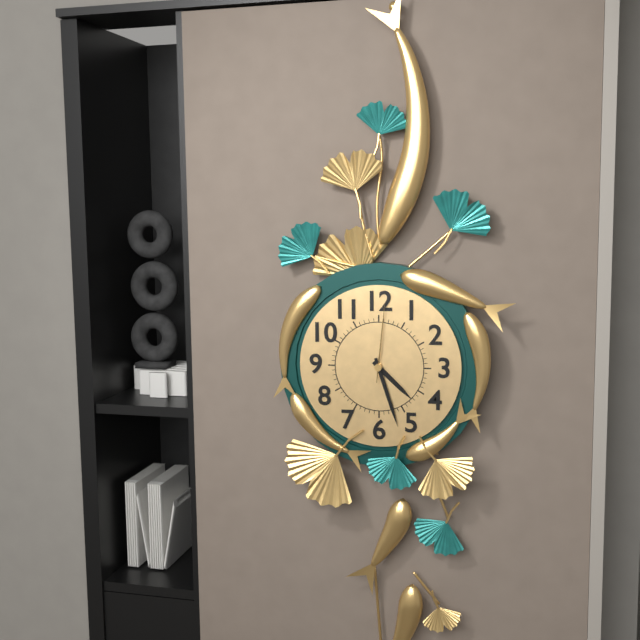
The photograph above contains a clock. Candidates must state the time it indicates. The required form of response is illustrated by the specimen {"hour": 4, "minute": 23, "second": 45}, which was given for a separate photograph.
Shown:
{"hour": 4, "minute": 27, "second": 1}
